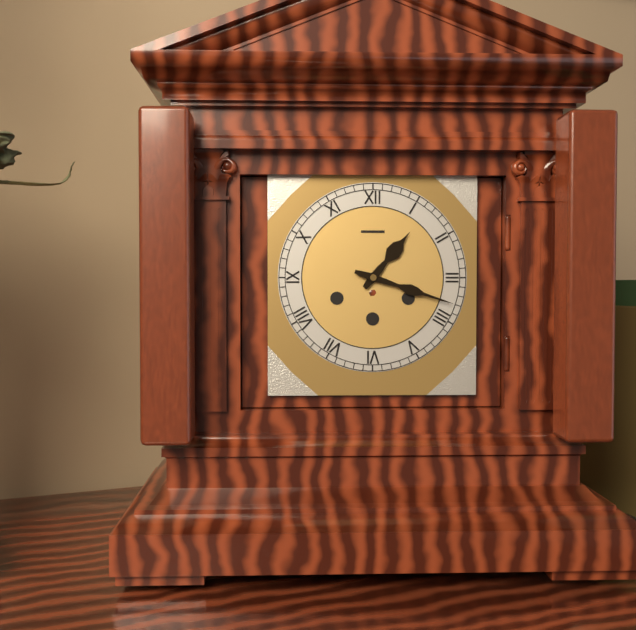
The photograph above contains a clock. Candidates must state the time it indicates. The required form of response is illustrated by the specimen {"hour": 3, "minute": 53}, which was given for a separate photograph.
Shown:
{"hour": 1, "minute": 18}
